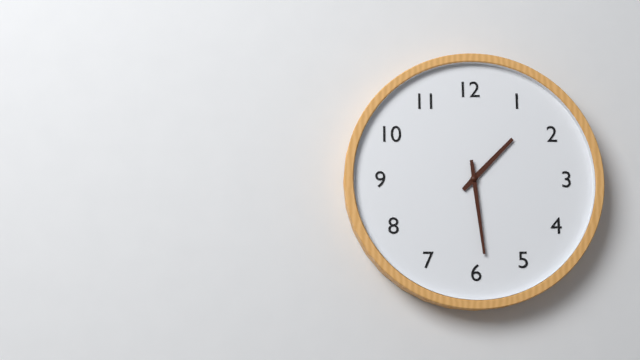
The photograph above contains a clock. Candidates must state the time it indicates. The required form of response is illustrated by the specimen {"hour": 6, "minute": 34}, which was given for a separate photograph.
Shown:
{"hour": 1, "minute": 29}
